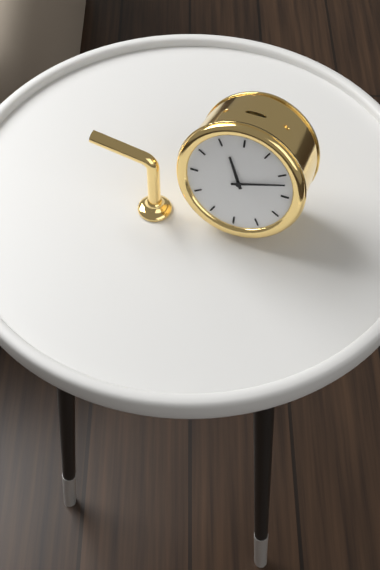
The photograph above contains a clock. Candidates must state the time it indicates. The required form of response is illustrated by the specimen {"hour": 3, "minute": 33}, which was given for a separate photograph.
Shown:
{"hour": 11, "minute": 12}
